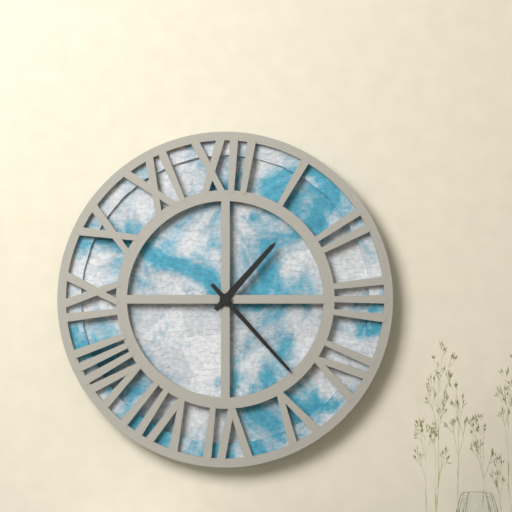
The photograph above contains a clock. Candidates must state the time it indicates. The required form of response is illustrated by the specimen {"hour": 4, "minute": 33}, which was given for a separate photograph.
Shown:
{"hour": 1, "minute": 23}
